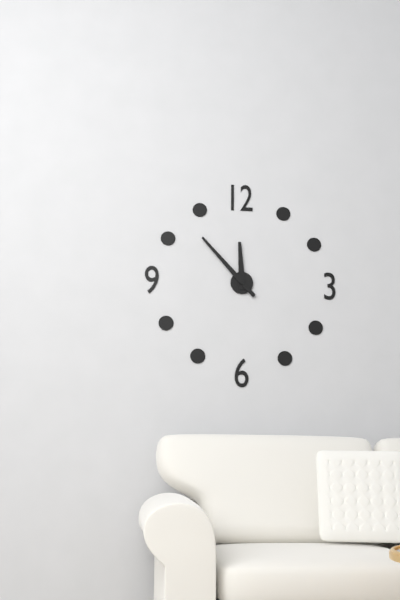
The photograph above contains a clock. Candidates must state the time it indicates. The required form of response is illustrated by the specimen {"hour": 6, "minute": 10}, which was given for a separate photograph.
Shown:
{"hour": 11, "minute": 53}
